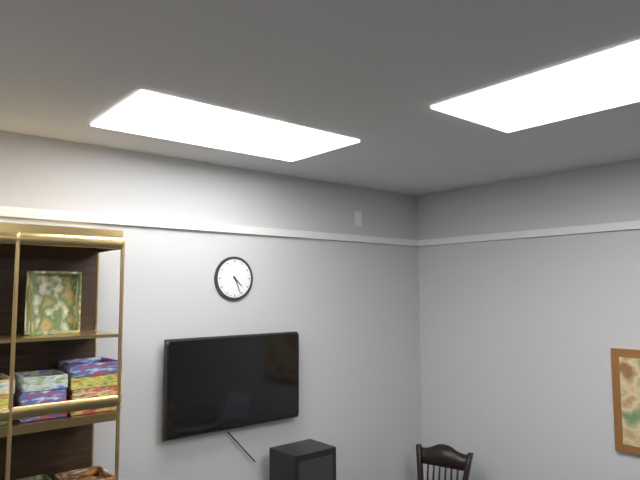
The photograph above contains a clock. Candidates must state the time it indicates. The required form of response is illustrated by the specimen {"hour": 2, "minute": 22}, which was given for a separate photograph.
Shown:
{"hour": 4, "minute": 26}
